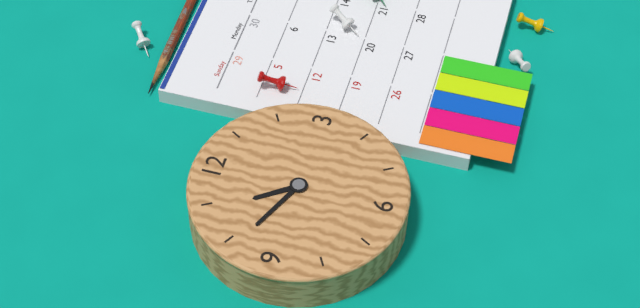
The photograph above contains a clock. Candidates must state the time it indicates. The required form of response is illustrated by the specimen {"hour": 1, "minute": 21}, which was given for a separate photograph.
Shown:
{"hour": 10, "minute": 49}
